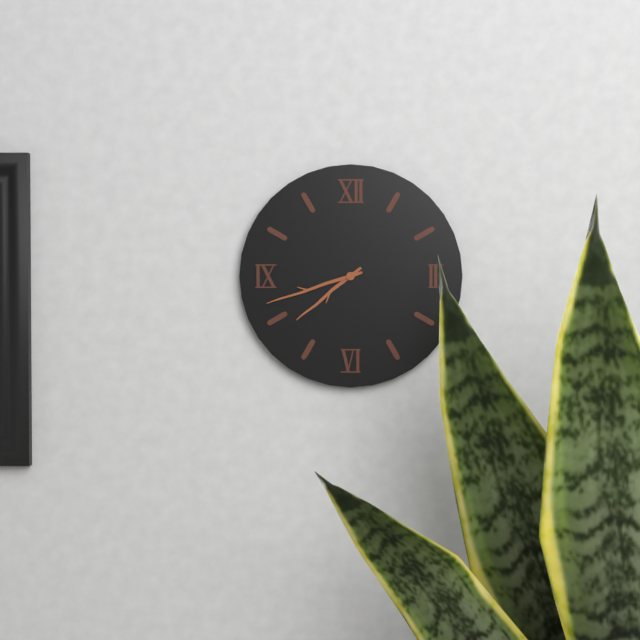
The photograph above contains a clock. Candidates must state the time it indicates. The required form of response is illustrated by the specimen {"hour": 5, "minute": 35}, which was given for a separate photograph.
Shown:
{"hour": 7, "minute": 42}
